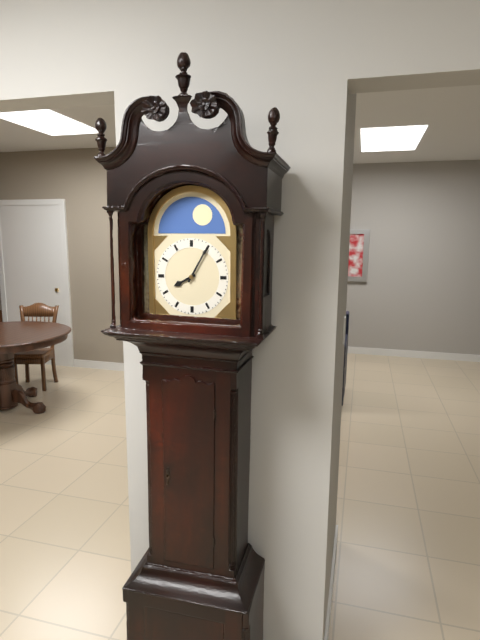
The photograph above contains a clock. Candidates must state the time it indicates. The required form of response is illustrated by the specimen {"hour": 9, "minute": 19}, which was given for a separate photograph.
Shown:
{"hour": 8, "minute": 5}
